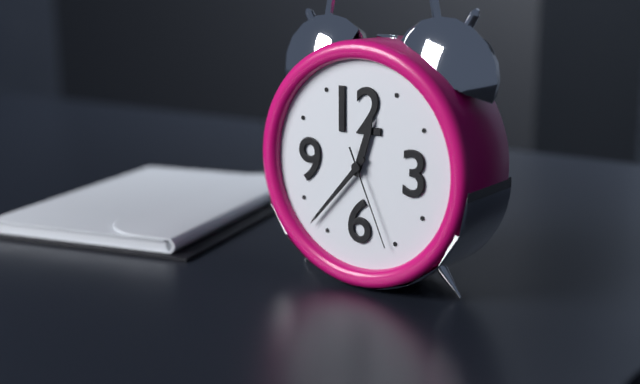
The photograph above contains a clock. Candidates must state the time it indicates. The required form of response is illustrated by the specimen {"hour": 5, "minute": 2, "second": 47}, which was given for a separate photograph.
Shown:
{"hour": 12, "minute": 37, "second": 26}
